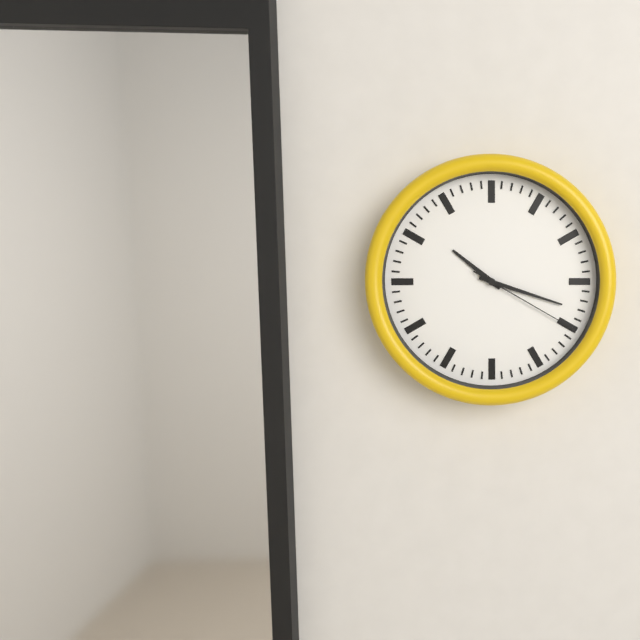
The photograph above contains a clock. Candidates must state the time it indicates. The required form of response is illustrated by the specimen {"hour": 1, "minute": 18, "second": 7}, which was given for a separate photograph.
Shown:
{"hour": 10, "minute": 18, "second": 20}
